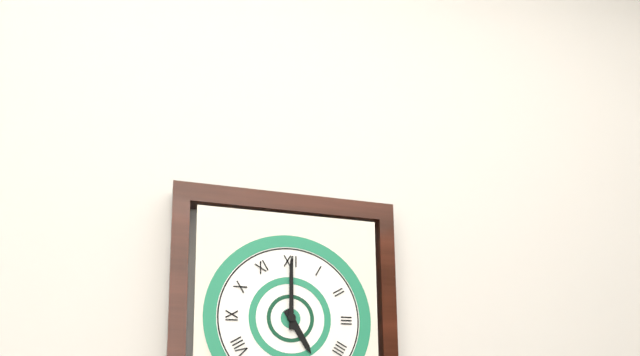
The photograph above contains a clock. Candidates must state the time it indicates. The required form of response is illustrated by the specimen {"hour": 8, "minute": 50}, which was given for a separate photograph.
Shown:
{"hour": 5, "minute": 0}
